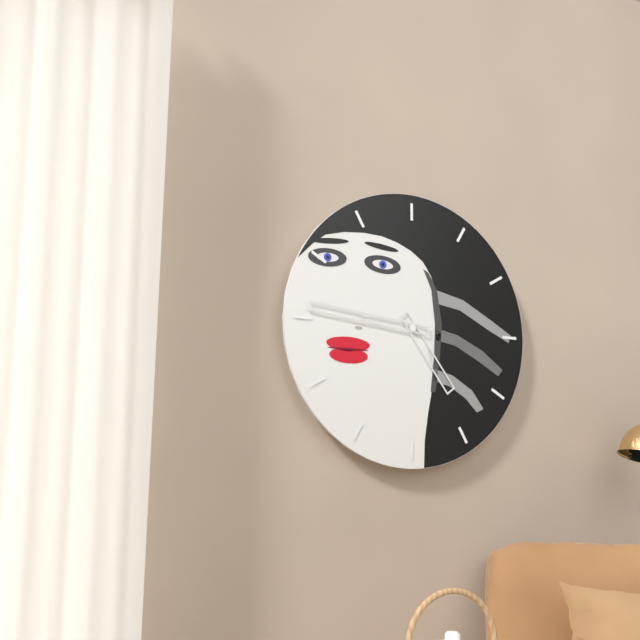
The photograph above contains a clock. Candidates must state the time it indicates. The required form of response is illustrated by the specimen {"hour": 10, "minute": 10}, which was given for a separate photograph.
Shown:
{"hour": 4, "minute": 46}
